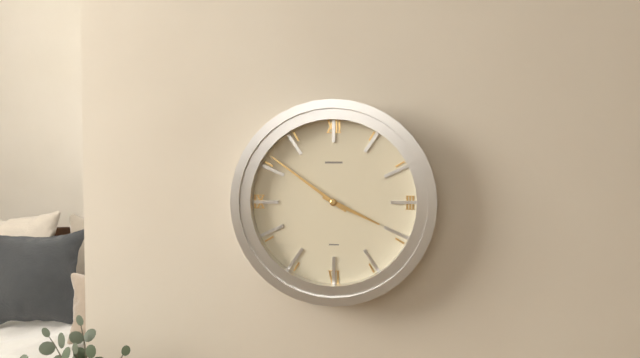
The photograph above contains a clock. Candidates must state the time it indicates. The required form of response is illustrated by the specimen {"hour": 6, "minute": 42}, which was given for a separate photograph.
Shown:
{"hour": 3, "minute": 51}
